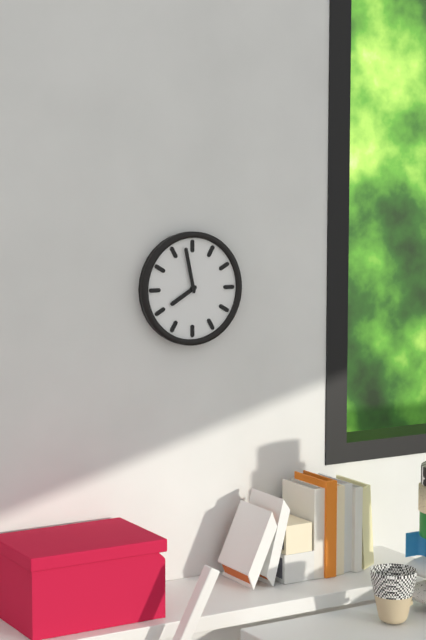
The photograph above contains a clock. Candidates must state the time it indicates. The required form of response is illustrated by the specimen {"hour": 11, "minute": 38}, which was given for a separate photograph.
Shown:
{"hour": 7, "minute": 58}
